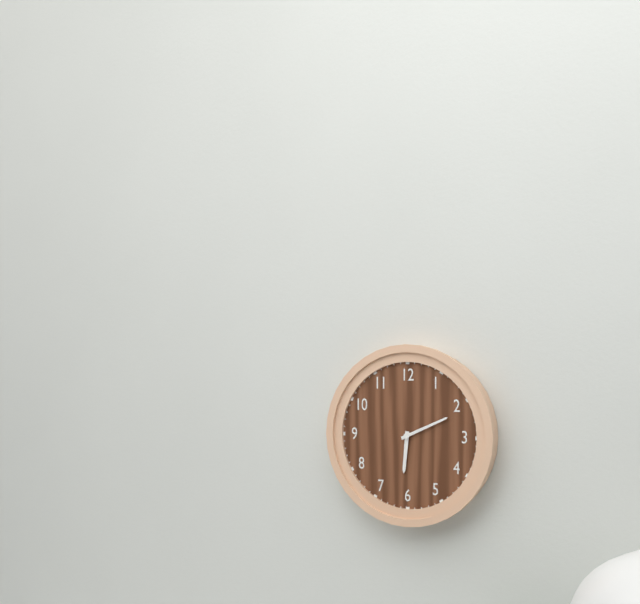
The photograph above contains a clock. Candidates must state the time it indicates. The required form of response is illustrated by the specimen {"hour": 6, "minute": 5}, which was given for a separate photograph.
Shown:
{"hour": 6, "minute": 11}
